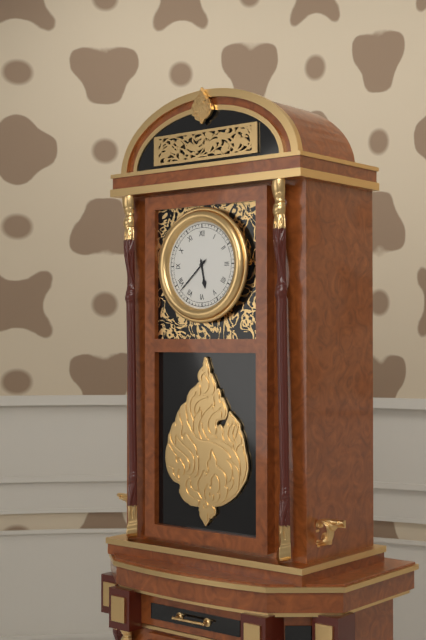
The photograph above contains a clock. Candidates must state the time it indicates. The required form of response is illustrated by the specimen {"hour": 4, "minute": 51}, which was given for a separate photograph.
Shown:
{"hour": 5, "minute": 38}
